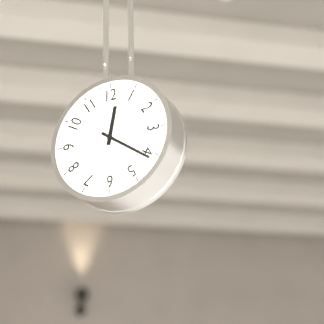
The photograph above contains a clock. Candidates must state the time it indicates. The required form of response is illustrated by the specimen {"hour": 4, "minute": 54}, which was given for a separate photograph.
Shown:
{"hour": 12, "minute": 21}
